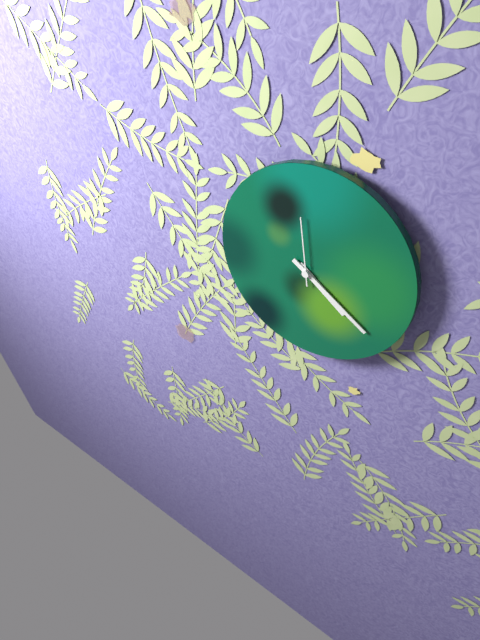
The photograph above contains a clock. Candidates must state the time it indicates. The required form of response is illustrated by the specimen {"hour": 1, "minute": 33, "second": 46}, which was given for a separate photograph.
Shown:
{"hour": 4, "minute": 21, "second": 59}
